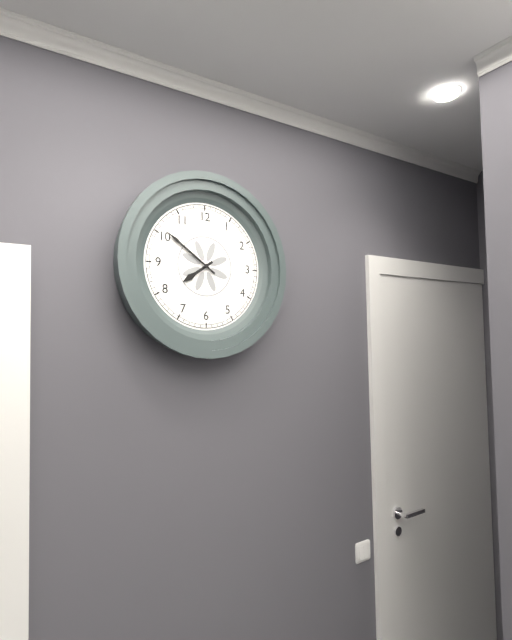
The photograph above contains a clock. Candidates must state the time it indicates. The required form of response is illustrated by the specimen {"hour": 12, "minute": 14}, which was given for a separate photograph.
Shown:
{"hour": 7, "minute": 51}
